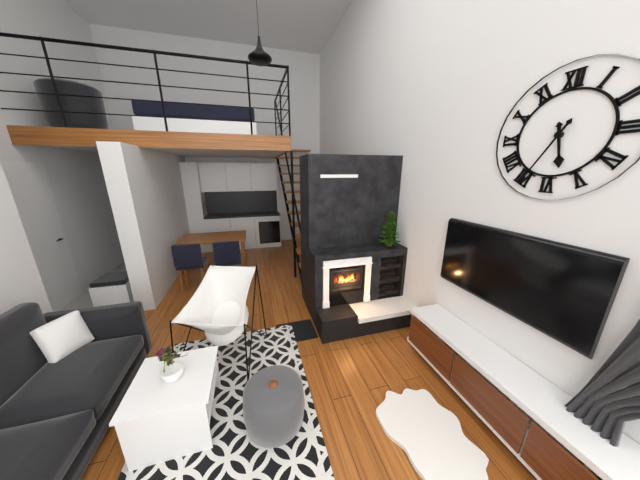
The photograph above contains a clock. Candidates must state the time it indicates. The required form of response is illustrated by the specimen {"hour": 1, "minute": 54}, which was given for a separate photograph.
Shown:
{"hour": 5, "minute": 35}
